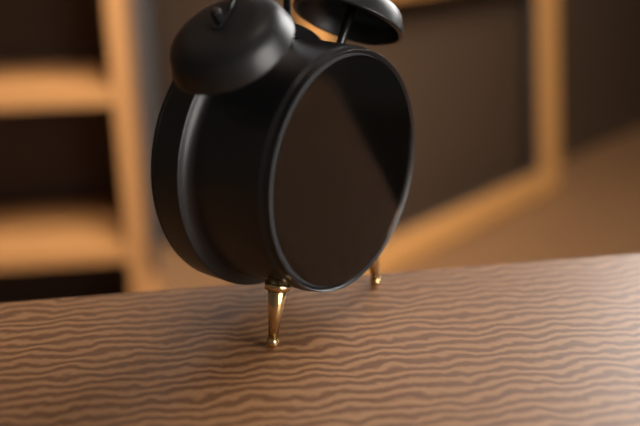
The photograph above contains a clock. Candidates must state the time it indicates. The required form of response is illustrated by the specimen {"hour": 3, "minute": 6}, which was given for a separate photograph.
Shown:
{"hour": 11, "minute": 25}
